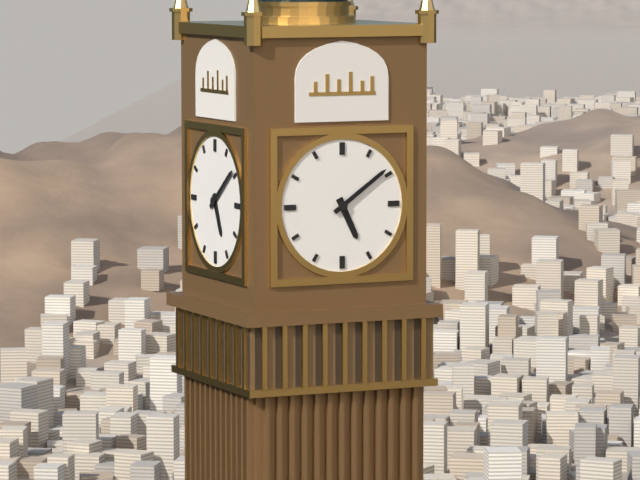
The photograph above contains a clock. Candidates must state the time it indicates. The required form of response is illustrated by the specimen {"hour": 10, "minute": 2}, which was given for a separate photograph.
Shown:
{"hour": 5, "minute": 9}
